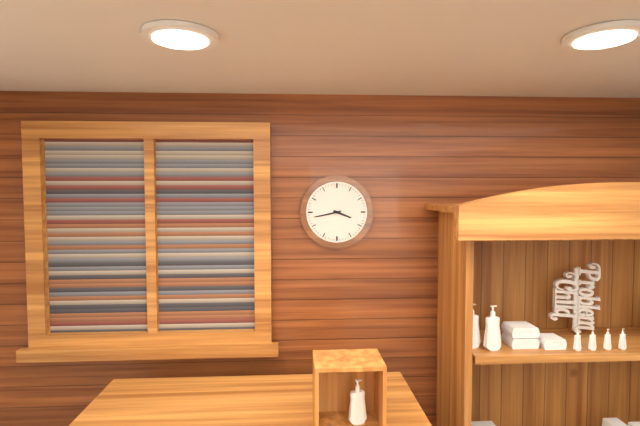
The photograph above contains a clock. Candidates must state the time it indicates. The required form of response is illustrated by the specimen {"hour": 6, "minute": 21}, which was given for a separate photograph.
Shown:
{"hour": 3, "minute": 43}
